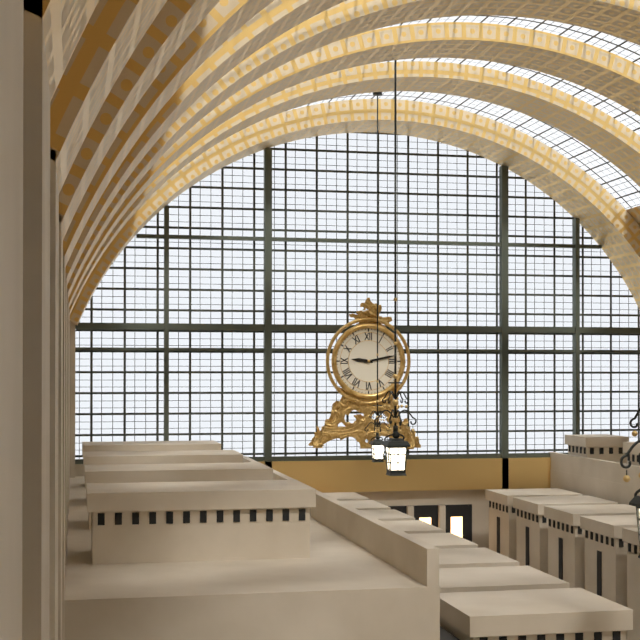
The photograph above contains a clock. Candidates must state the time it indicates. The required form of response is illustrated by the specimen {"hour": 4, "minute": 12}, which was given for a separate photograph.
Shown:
{"hour": 9, "minute": 13}
